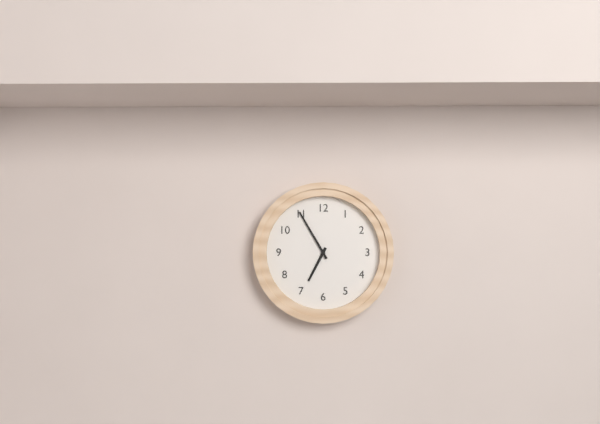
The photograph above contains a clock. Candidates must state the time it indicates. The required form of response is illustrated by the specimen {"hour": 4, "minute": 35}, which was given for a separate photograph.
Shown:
{"hour": 6, "minute": 55}
